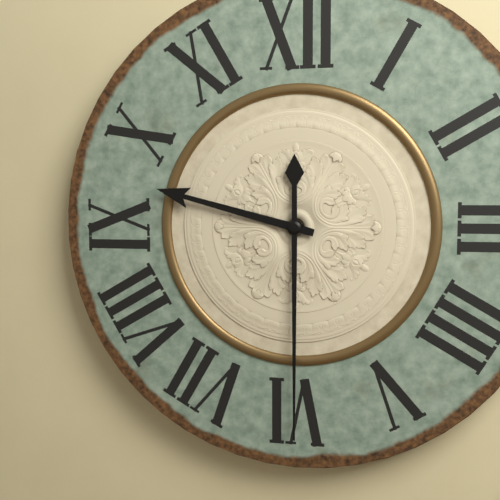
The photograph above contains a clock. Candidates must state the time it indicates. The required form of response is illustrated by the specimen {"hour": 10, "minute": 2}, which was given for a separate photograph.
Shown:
{"hour": 9, "minute": 30}
